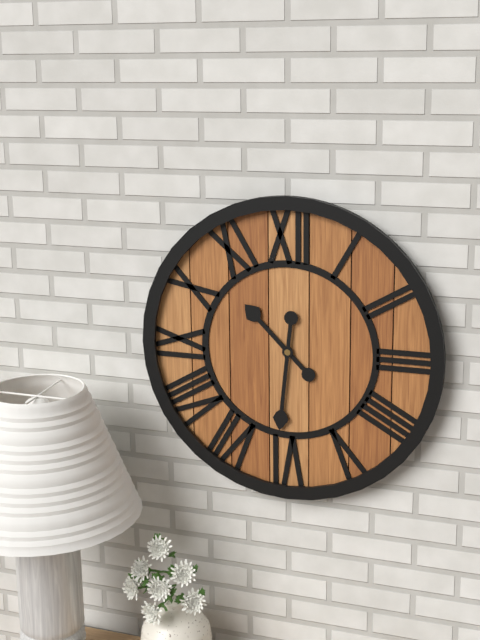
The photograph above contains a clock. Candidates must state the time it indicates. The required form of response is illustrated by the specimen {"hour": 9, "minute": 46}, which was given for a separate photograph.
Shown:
{"hour": 10, "minute": 31}
